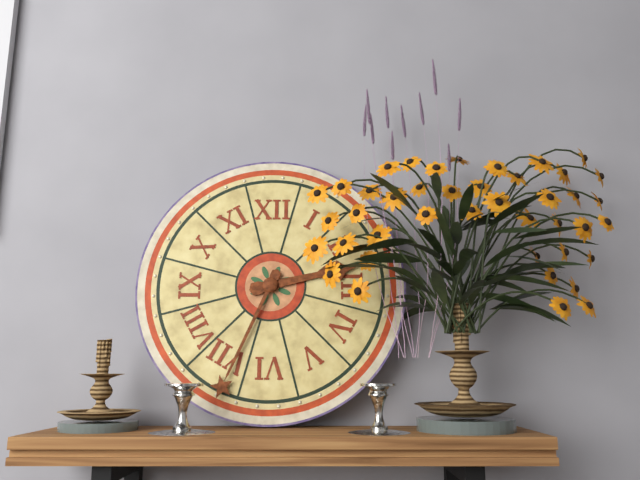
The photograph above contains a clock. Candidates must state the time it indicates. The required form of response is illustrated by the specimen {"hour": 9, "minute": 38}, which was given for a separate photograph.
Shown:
{"hour": 2, "minute": 34}
